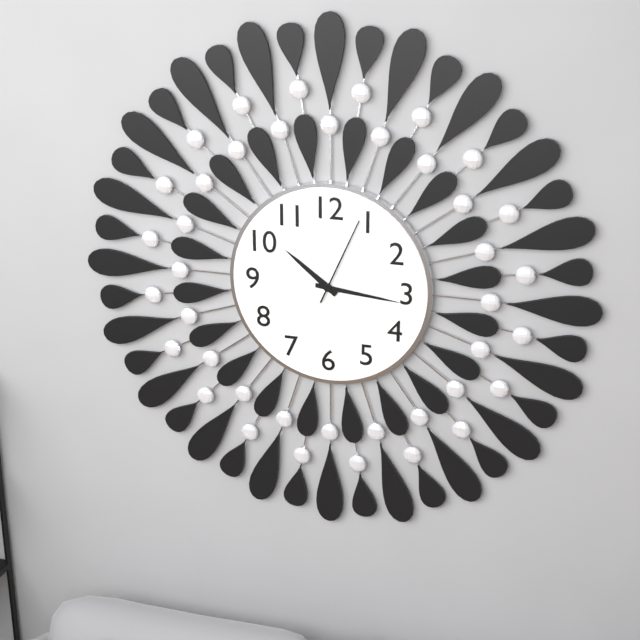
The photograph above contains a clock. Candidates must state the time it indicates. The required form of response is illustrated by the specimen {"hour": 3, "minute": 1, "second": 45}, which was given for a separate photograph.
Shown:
{"hour": 10, "minute": 16, "second": 4}
